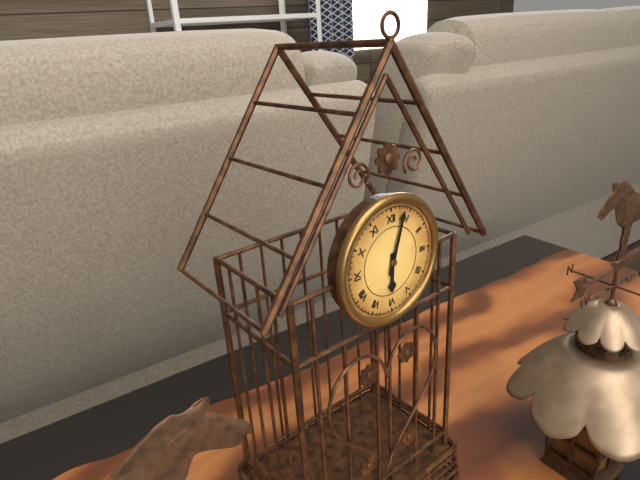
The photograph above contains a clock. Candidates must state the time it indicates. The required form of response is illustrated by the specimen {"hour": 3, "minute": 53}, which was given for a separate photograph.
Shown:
{"hour": 6, "minute": 3}
